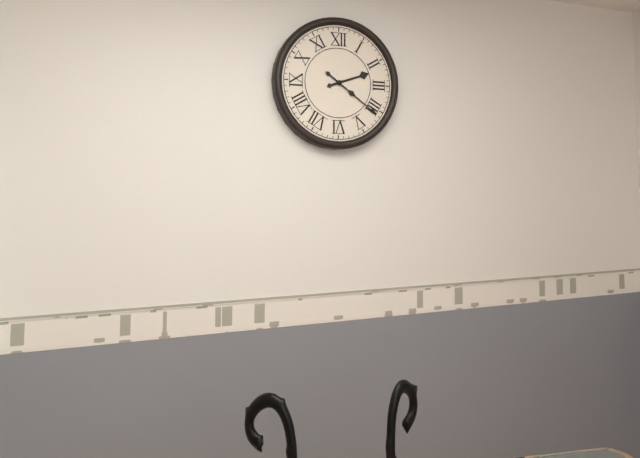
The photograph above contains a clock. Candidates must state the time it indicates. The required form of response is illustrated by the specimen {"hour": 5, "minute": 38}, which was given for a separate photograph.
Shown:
{"hour": 2, "minute": 21}
